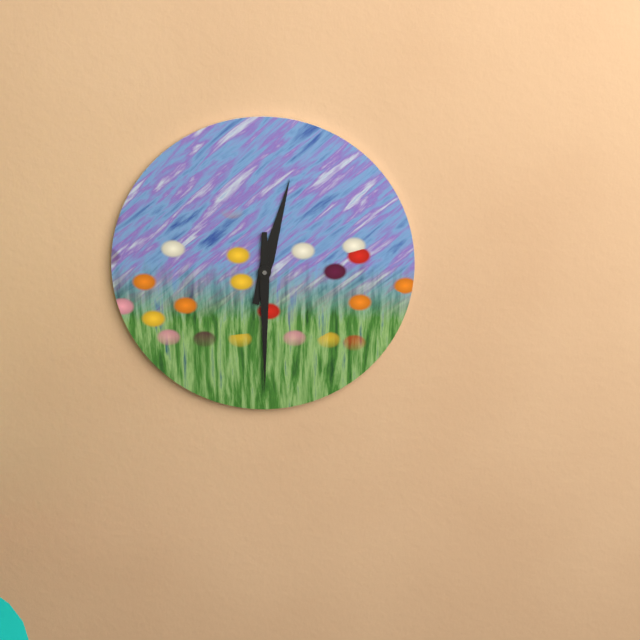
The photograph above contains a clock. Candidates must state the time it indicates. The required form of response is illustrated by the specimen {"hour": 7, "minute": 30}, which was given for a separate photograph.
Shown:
{"hour": 12, "minute": 30}
